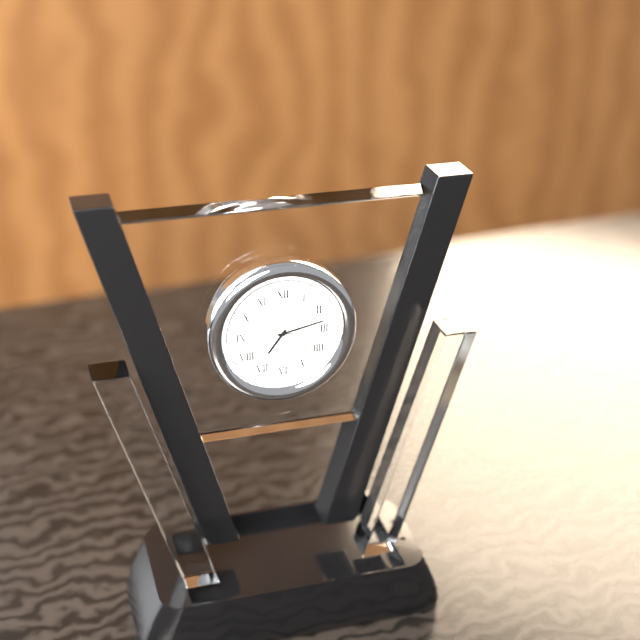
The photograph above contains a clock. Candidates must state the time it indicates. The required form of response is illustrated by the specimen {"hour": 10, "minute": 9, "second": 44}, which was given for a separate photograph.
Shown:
{"hour": 7, "minute": 13, "second": 16}
